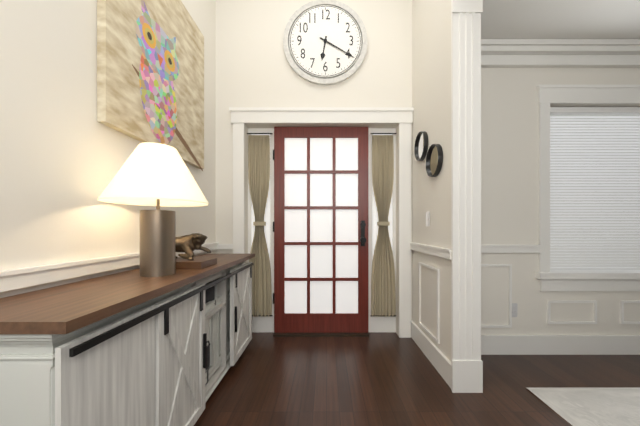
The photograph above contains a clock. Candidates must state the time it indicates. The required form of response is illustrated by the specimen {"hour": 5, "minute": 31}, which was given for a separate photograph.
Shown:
{"hour": 6, "minute": 20}
